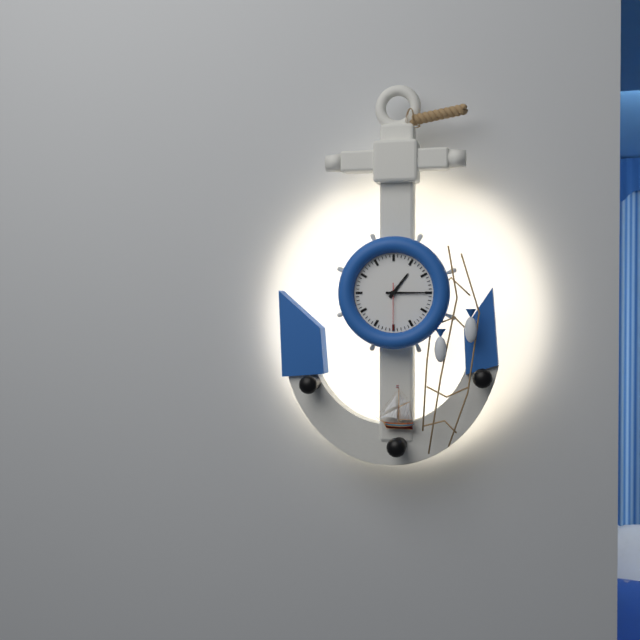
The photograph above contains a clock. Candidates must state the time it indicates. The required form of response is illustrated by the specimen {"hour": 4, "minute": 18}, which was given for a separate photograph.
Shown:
{"hour": 1, "minute": 15}
